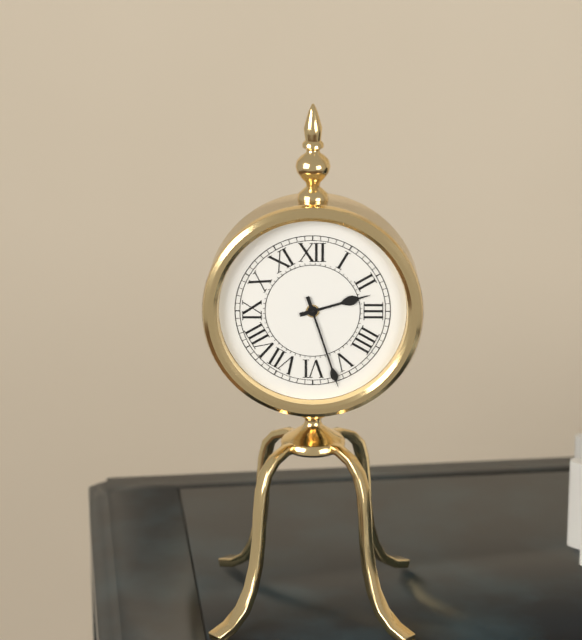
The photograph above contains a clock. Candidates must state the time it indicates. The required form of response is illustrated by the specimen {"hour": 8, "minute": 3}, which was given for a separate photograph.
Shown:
{"hour": 2, "minute": 27}
